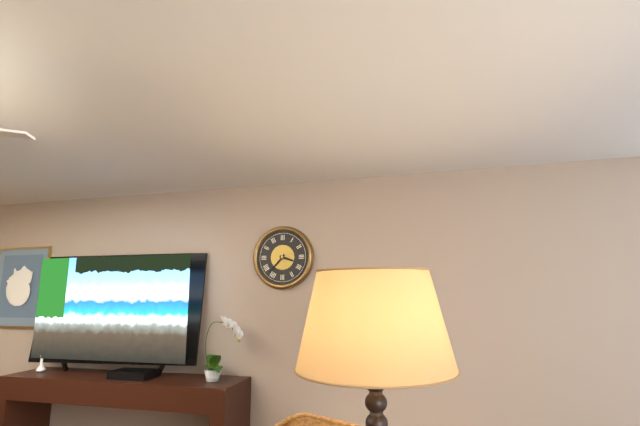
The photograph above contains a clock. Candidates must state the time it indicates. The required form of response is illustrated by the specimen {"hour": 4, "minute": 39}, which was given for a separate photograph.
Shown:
{"hour": 3, "minute": 37}
